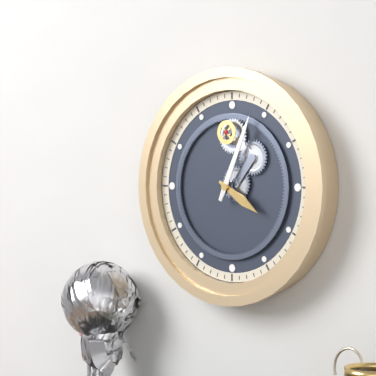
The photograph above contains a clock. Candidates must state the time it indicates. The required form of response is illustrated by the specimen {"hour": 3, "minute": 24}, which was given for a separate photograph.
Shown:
{"hour": 4, "minute": 4}
